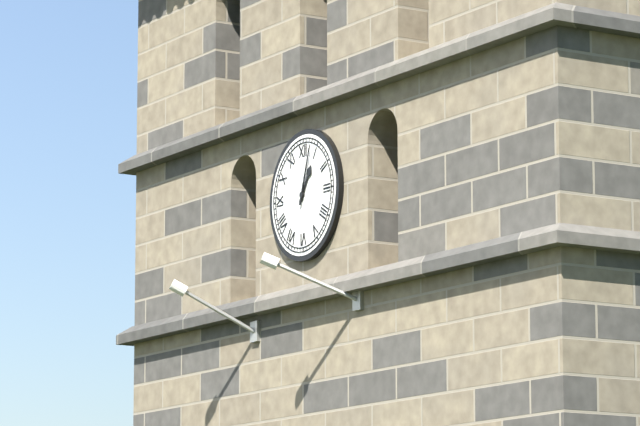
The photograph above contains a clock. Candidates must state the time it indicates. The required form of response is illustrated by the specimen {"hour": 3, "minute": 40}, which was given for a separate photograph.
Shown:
{"hour": 1, "minute": 3}
